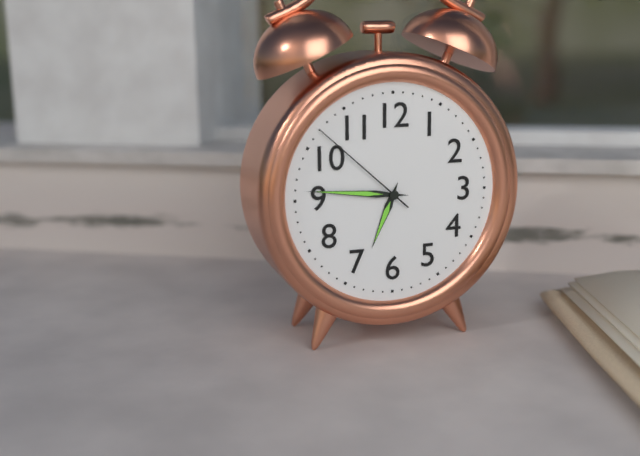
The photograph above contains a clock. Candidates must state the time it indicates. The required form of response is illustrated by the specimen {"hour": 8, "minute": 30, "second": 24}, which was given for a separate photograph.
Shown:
{"hour": 6, "minute": 46, "second": 52}
